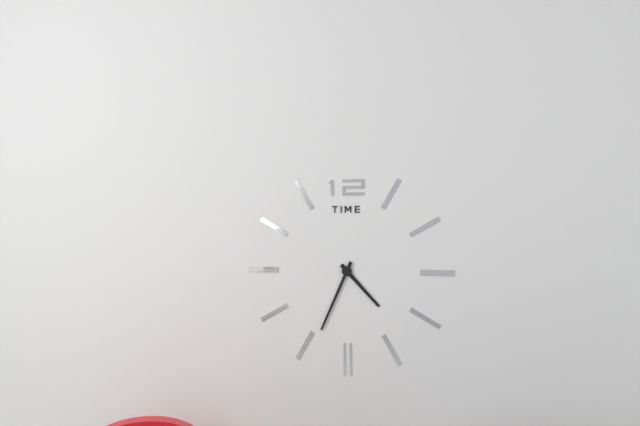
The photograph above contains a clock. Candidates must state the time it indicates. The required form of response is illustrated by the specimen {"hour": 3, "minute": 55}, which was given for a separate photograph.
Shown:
{"hour": 4, "minute": 34}
